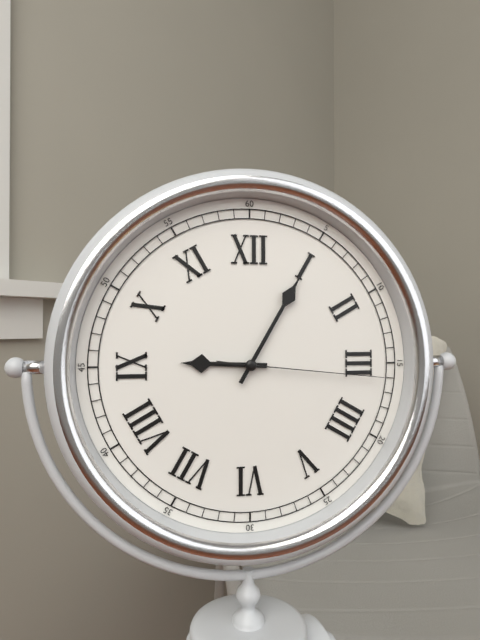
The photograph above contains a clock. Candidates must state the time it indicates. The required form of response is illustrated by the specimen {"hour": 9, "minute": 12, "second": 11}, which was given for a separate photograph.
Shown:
{"hour": 9, "minute": 5, "second": 16}
